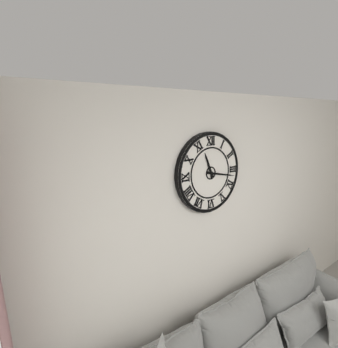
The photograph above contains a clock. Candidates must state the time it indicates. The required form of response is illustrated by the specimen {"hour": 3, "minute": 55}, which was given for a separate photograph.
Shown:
{"hour": 11, "minute": 17}
